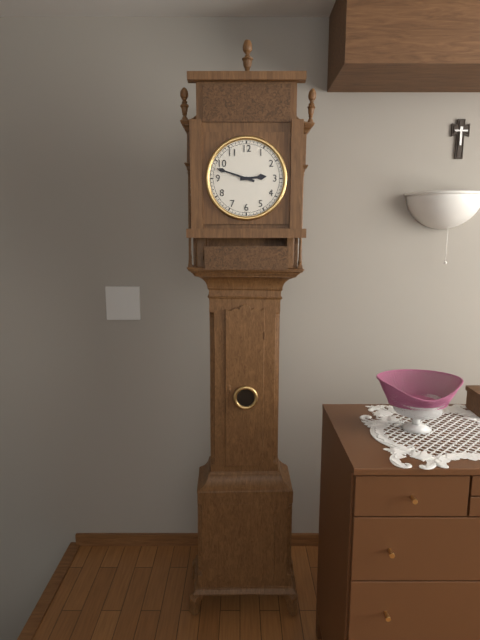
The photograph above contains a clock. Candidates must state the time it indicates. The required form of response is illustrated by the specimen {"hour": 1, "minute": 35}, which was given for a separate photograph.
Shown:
{"hour": 2, "minute": 48}
